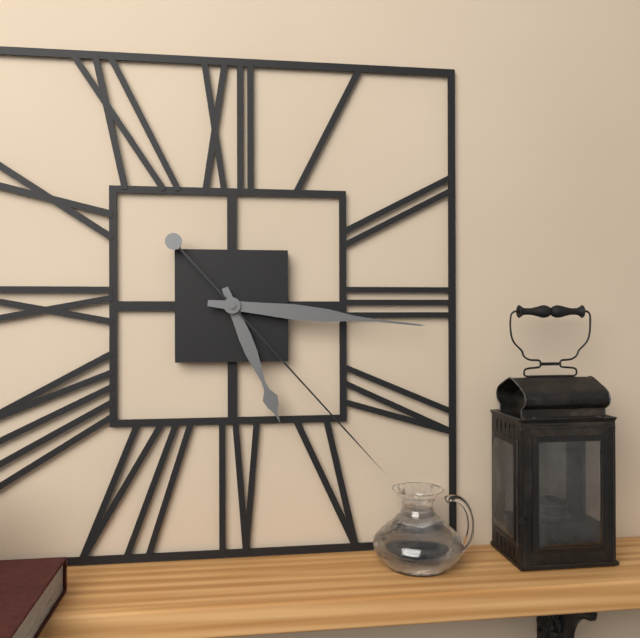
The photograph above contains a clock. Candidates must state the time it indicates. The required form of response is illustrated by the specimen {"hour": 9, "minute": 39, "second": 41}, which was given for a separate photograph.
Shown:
{"hour": 5, "minute": 16, "second": 23}
